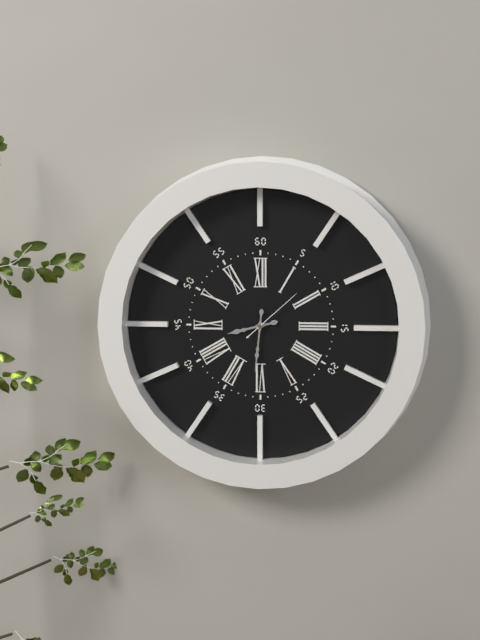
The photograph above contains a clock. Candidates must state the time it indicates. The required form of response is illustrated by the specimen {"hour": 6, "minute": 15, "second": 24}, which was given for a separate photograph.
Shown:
{"hour": 8, "minute": 31, "second": 8}
